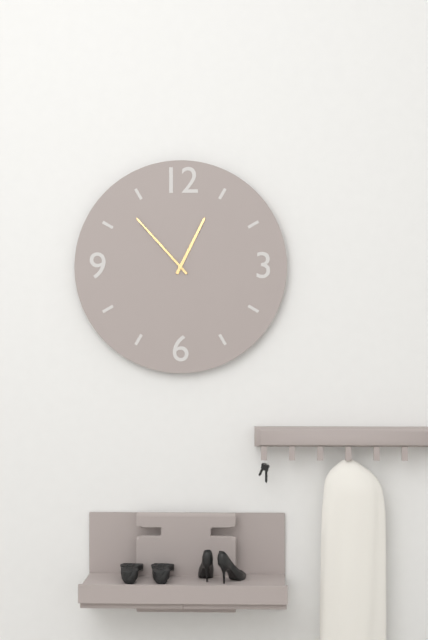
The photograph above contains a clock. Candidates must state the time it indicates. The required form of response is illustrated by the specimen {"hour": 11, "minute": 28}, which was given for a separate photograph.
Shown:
{"hour": 12, "minute": 53}
